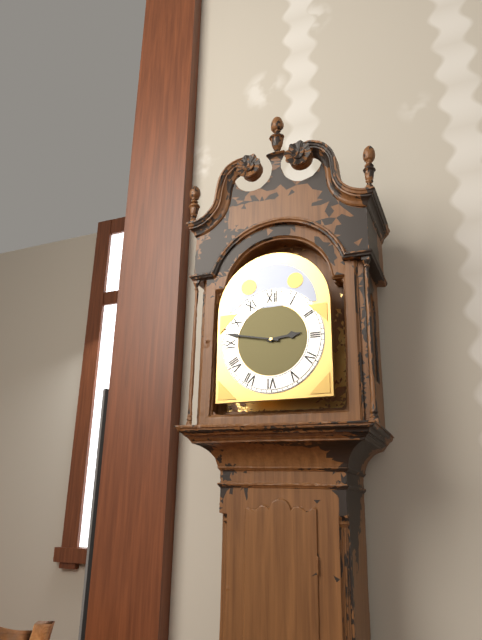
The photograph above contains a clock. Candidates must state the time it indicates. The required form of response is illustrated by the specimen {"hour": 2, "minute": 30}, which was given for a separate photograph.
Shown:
{"hour": 2, "minute": 47}
